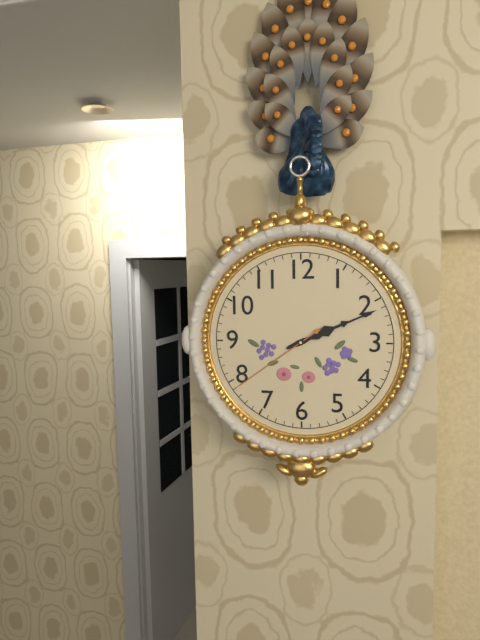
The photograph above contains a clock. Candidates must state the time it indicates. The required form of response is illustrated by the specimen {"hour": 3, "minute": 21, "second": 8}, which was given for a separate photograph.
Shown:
{"hour": 2, "minute": 11, "second": 39}
